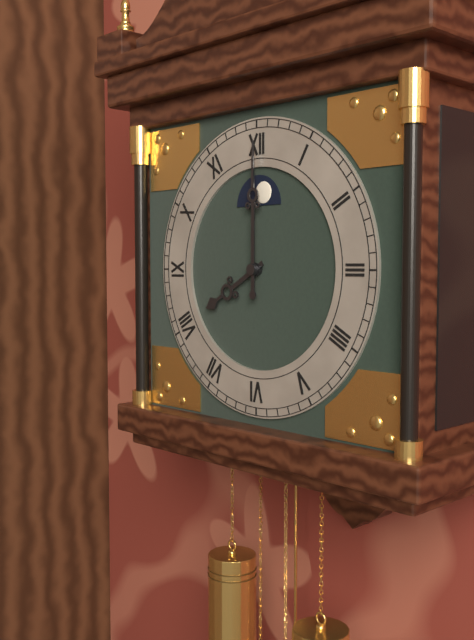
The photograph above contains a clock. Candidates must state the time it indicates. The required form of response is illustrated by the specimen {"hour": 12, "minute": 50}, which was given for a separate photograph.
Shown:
{"hour": 8, "minute": 0}
